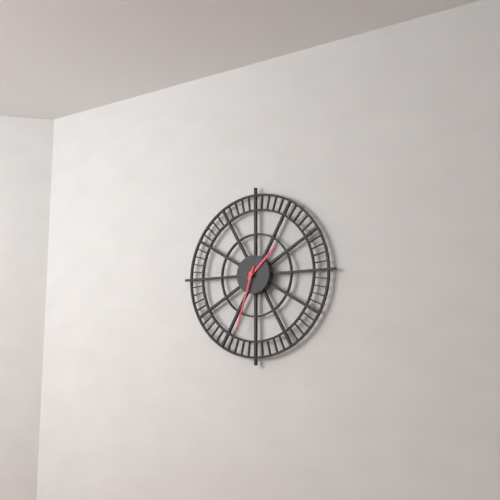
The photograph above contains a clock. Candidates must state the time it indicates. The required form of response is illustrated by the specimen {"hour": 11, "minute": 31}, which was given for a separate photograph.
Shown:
{"hour": 1, "minute": 33}
